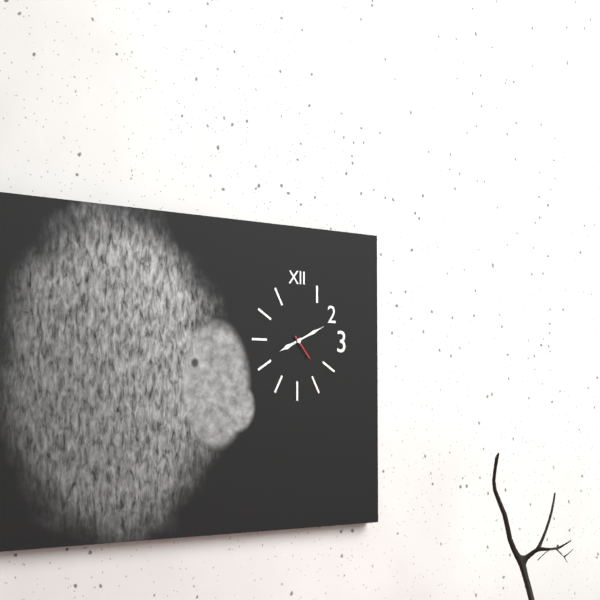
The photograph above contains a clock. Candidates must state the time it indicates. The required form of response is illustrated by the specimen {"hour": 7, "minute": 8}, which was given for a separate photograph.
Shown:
{"hour": 8, "minute": 11}
